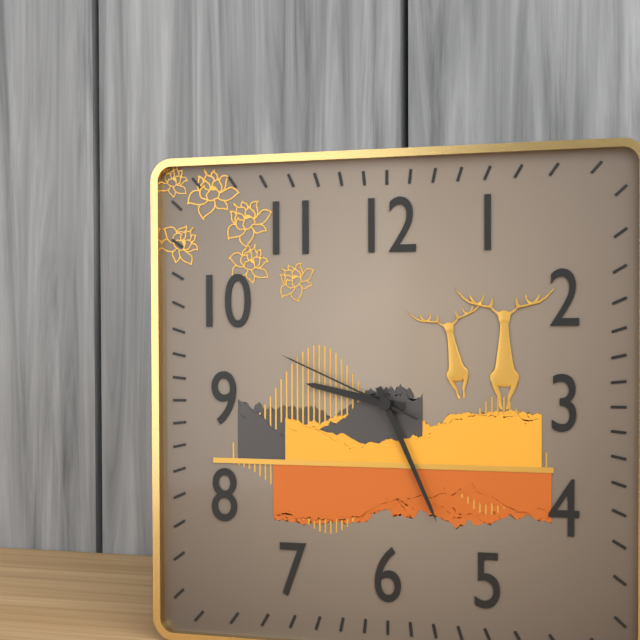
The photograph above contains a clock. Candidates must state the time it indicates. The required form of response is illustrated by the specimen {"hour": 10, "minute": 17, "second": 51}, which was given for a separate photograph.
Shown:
{"hour": 9, "minute": 26, "second": 49}
